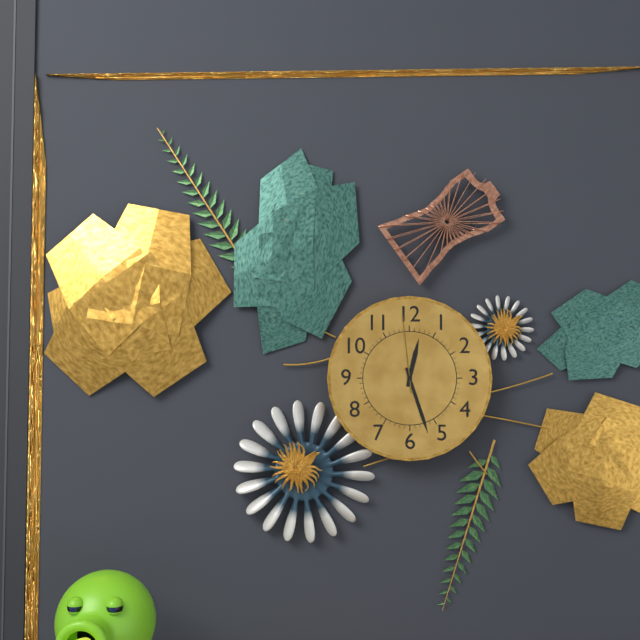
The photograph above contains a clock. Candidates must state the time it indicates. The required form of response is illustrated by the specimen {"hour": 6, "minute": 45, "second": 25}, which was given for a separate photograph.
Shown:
{"hour": 12, "minute": 27, "second": 59}
